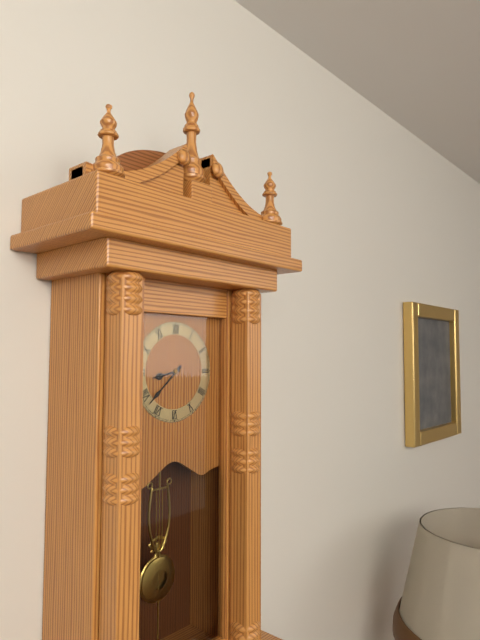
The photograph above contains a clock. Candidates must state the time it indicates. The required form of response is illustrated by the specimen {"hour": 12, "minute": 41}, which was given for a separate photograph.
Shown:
{"hour": 8, "minute": 38}
